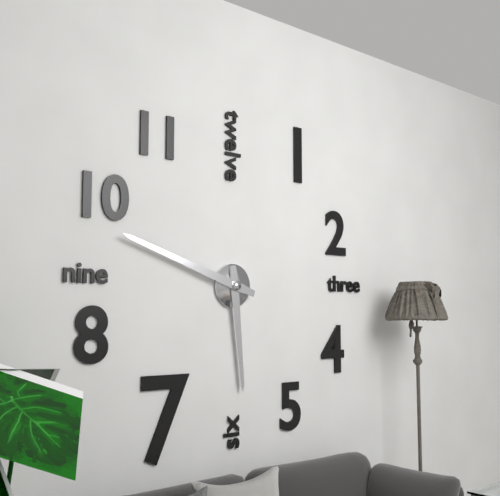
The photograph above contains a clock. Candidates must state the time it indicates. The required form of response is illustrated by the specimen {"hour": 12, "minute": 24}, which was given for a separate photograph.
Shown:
{"hour": 5, "minute": 48}
